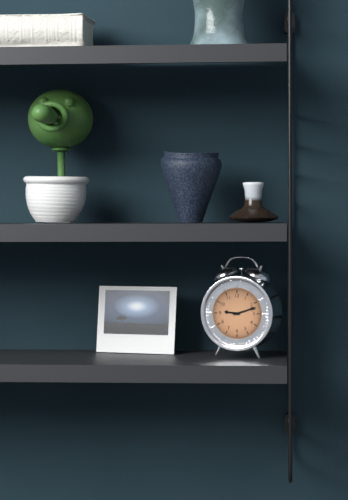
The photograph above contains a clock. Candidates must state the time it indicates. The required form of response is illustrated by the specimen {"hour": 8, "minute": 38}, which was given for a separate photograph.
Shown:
{"hour": 9, "minute": 12}
